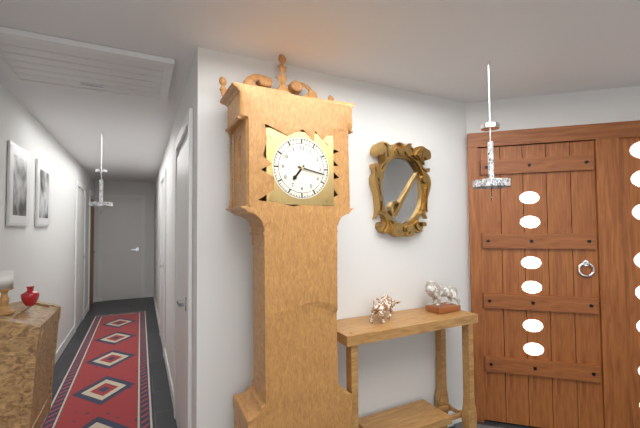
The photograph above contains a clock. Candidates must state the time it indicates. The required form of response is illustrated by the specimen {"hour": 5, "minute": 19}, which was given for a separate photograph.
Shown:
{"hour": 7, "minute": 17}
